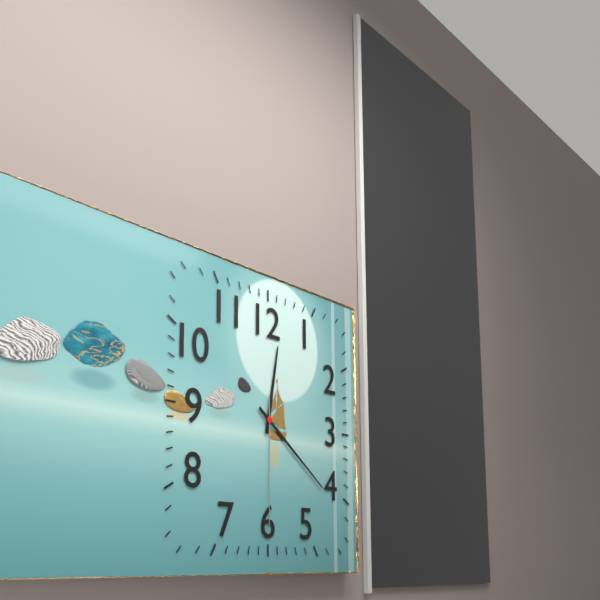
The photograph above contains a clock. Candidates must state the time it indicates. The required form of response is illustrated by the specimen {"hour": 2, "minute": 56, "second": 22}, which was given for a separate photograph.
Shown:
{"hour": 12, "minute": 21, "second": 30}
